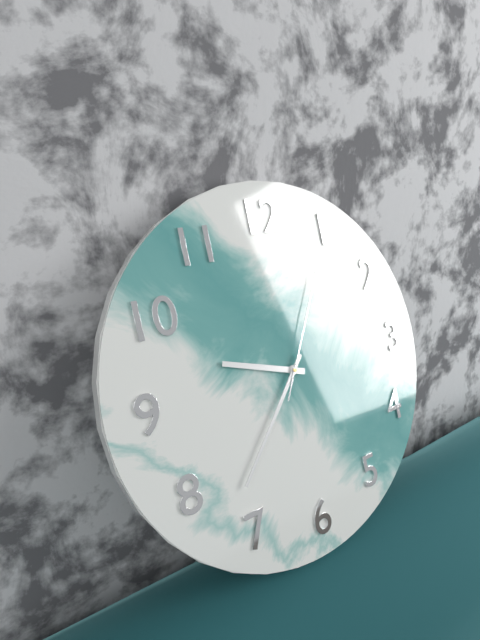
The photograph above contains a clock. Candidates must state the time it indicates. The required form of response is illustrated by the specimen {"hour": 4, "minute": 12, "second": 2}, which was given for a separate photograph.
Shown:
{"hour": 9, "minute": 37, "second": 5}
